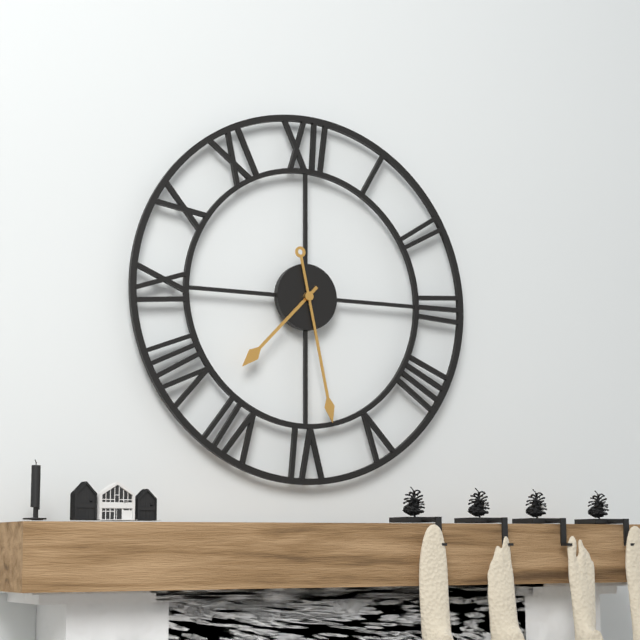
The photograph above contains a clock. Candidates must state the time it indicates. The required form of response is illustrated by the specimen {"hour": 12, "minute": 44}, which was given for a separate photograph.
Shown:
{"hour": 7, "minute": 28}
